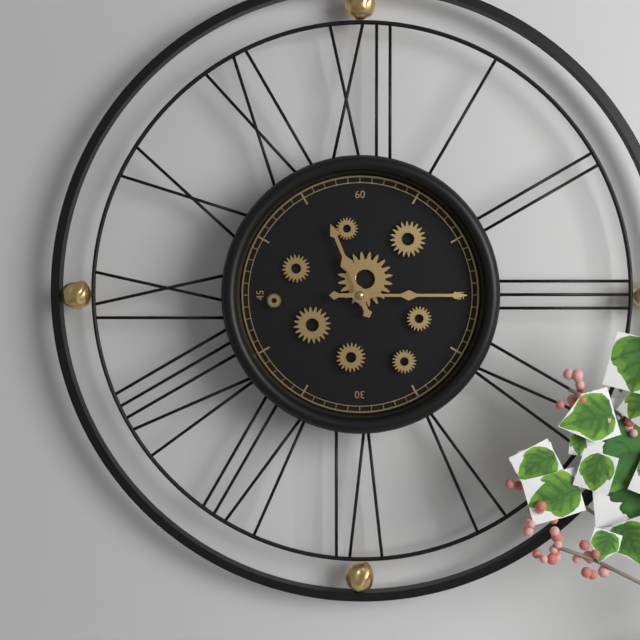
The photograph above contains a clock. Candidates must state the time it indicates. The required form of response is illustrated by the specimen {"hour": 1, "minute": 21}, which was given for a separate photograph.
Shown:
{"hour": 11, "minute": 15}
